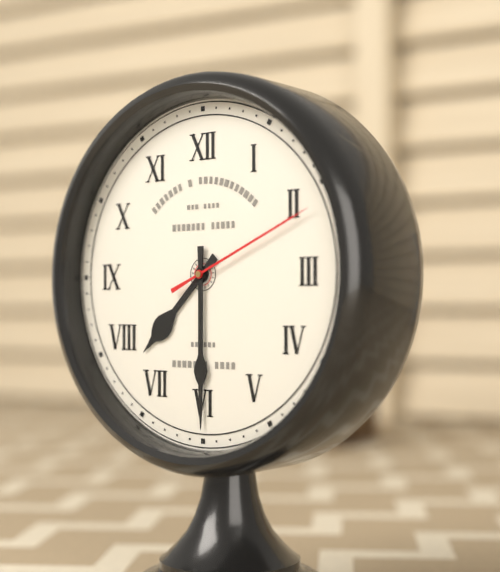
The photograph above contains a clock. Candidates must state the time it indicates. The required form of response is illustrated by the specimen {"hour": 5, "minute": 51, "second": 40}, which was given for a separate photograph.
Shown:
{"hour": 7, "minute": 30, "second": 11}
